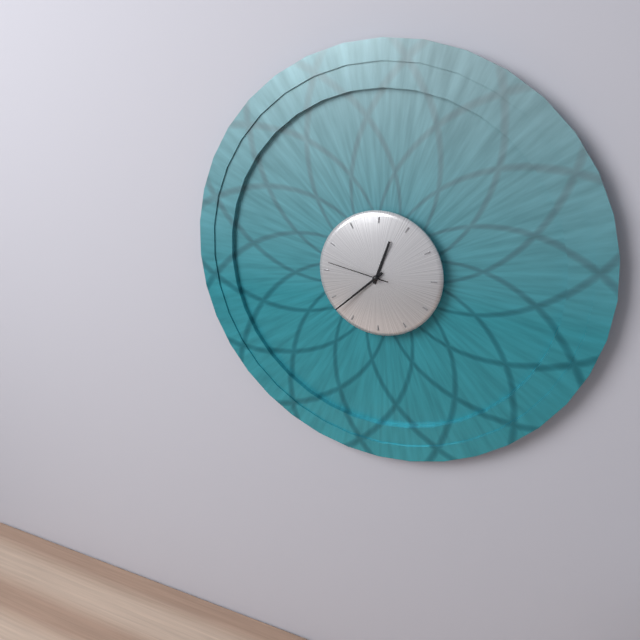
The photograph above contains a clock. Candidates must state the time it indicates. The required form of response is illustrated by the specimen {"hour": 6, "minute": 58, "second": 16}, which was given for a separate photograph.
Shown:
{"hour": 12, "minute": 38, "second": 47}
